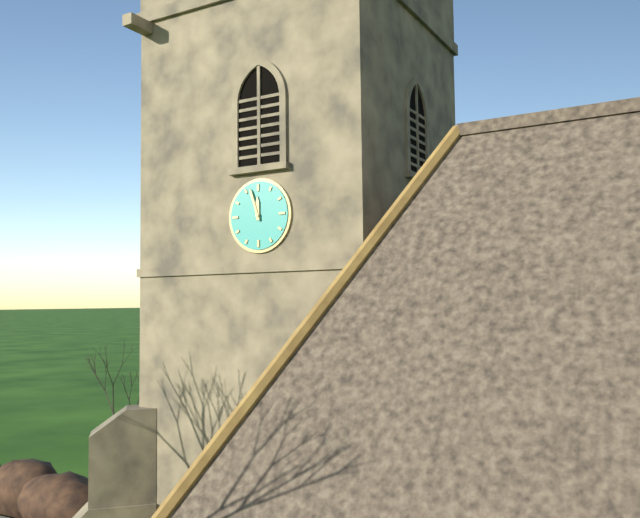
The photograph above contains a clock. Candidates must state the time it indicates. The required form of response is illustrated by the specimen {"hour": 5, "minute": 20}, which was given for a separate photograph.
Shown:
{"hour": 11, "minute": 57}
